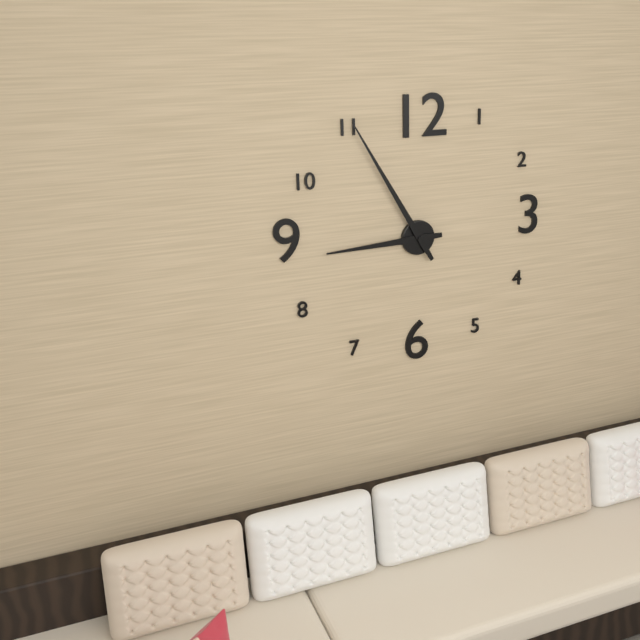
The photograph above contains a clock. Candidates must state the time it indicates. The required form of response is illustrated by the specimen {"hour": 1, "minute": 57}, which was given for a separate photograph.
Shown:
{"hour": 8, "minute": 55}
